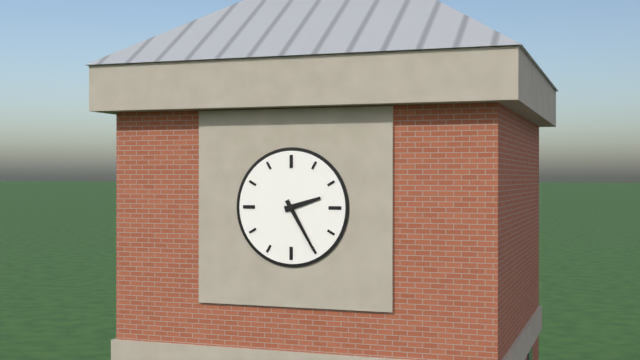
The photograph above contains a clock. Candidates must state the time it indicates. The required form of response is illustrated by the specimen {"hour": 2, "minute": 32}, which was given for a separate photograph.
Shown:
{"hour": 2, "minute": 25}
